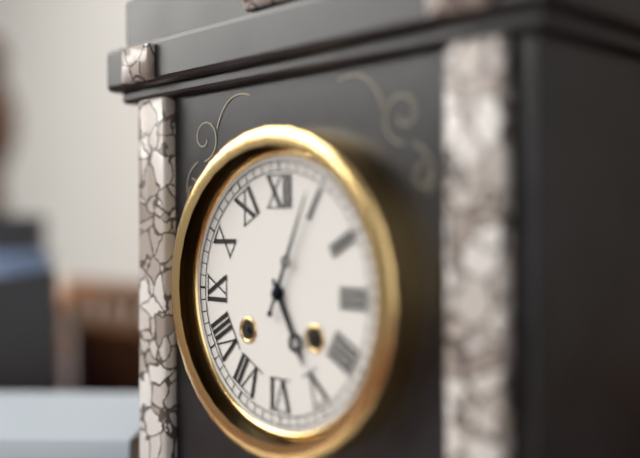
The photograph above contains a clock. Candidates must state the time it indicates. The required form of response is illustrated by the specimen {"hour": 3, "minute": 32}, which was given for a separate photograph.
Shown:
{"hour": 5, "minute": 4}
